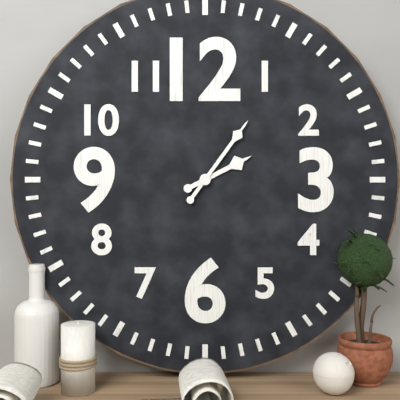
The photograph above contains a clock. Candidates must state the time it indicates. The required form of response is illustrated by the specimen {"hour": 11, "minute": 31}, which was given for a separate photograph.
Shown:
{"hour": 2, "minute": 6}
